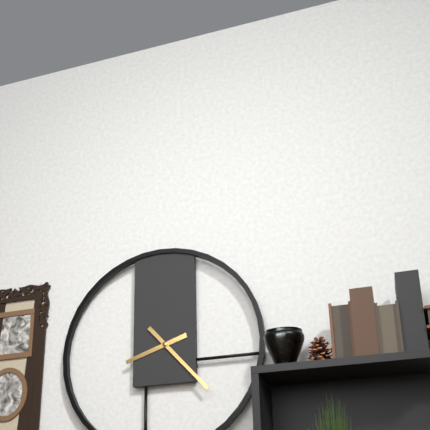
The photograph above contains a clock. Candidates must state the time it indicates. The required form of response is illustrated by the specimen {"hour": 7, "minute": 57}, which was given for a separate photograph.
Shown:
{"hour": 8, "minute": 23}
